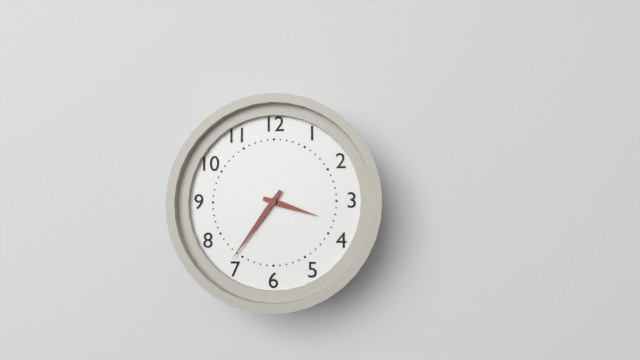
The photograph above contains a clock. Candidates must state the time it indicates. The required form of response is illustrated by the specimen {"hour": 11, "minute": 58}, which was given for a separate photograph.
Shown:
{"hour": 3, "minute": 36}
